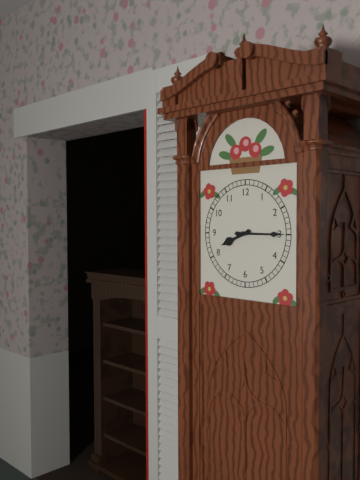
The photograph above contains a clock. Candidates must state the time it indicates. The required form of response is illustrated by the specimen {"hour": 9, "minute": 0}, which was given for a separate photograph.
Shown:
{"hour": 8, "minute": 15}
